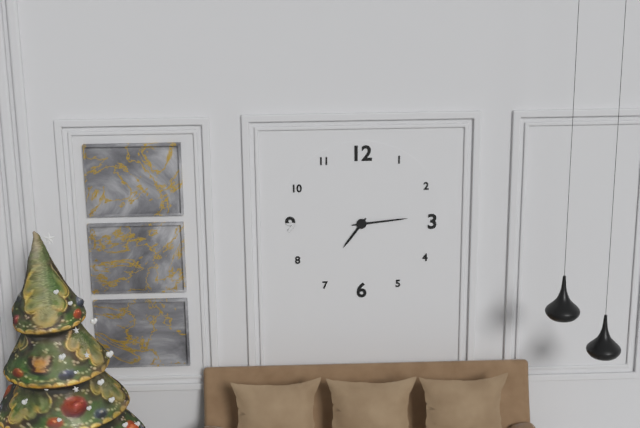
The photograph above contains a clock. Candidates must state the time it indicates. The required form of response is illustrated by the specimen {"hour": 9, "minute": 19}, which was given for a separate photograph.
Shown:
{"hour": 7, "minute": 14}
